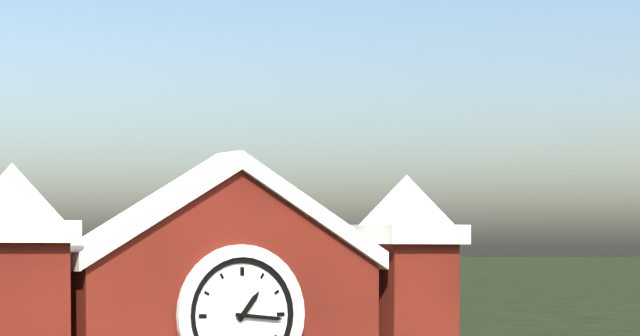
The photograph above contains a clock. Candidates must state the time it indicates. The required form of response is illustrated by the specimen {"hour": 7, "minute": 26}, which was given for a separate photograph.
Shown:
{"hour": 1, "minute": 16}
